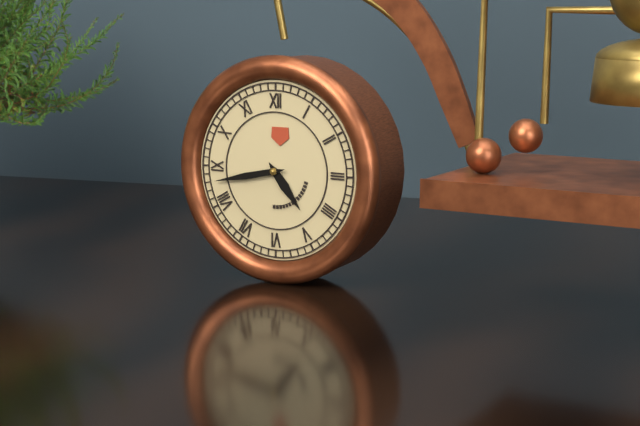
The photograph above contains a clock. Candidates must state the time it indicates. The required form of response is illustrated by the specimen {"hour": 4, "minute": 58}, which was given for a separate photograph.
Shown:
{"hour": 4, "minute": 43}
